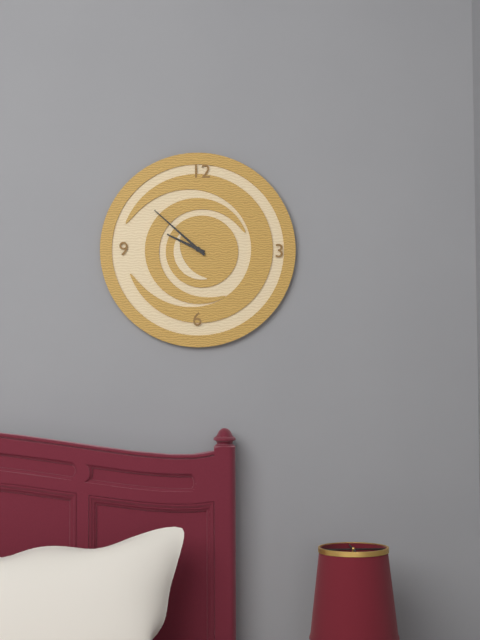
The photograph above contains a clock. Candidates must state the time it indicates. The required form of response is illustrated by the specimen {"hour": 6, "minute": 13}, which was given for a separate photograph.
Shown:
{"hour": 9, "minute": 52}
